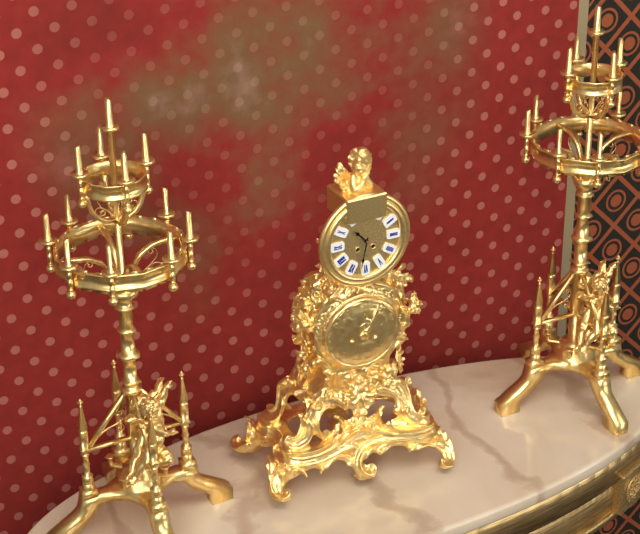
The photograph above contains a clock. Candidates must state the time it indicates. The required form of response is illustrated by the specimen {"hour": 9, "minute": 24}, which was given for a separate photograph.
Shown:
{"hour": 10, "minute": 32}
